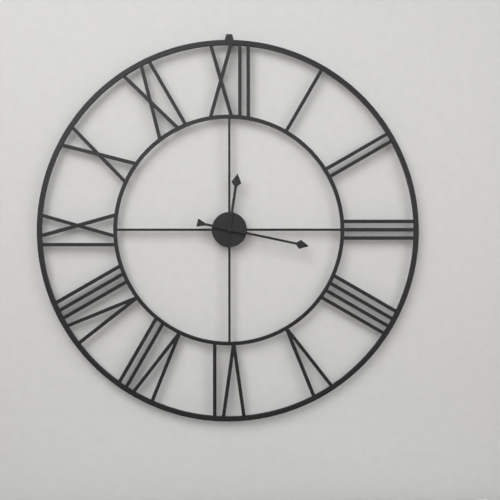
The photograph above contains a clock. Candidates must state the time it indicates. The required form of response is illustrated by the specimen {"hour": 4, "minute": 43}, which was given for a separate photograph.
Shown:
{"hour": 12, "minute": 17}
